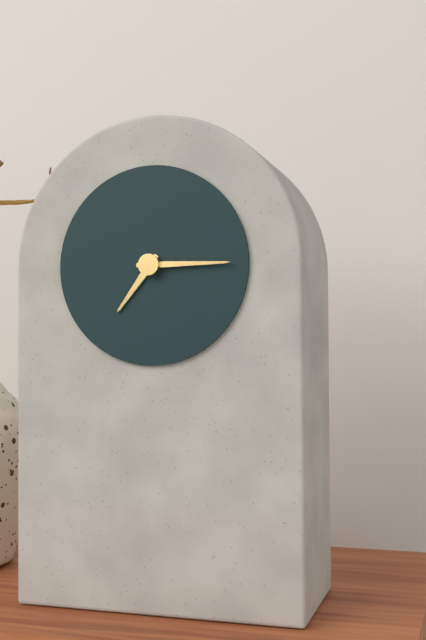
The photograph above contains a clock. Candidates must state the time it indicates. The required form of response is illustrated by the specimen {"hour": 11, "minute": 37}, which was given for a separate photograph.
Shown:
{"hour": 7, "minute": 15}
